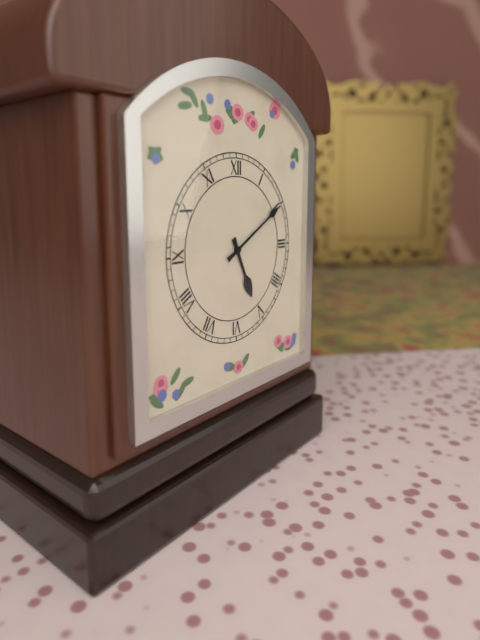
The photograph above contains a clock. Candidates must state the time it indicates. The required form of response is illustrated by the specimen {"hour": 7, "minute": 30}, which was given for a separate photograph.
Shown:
{"hour": 5, "minute": 10}
